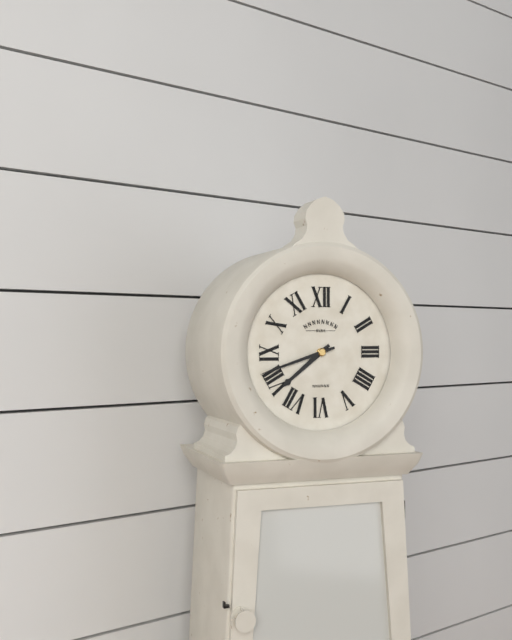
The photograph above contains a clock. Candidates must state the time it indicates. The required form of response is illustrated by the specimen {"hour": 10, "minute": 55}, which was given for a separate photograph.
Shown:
{"hour": 7, "minute": 42}
